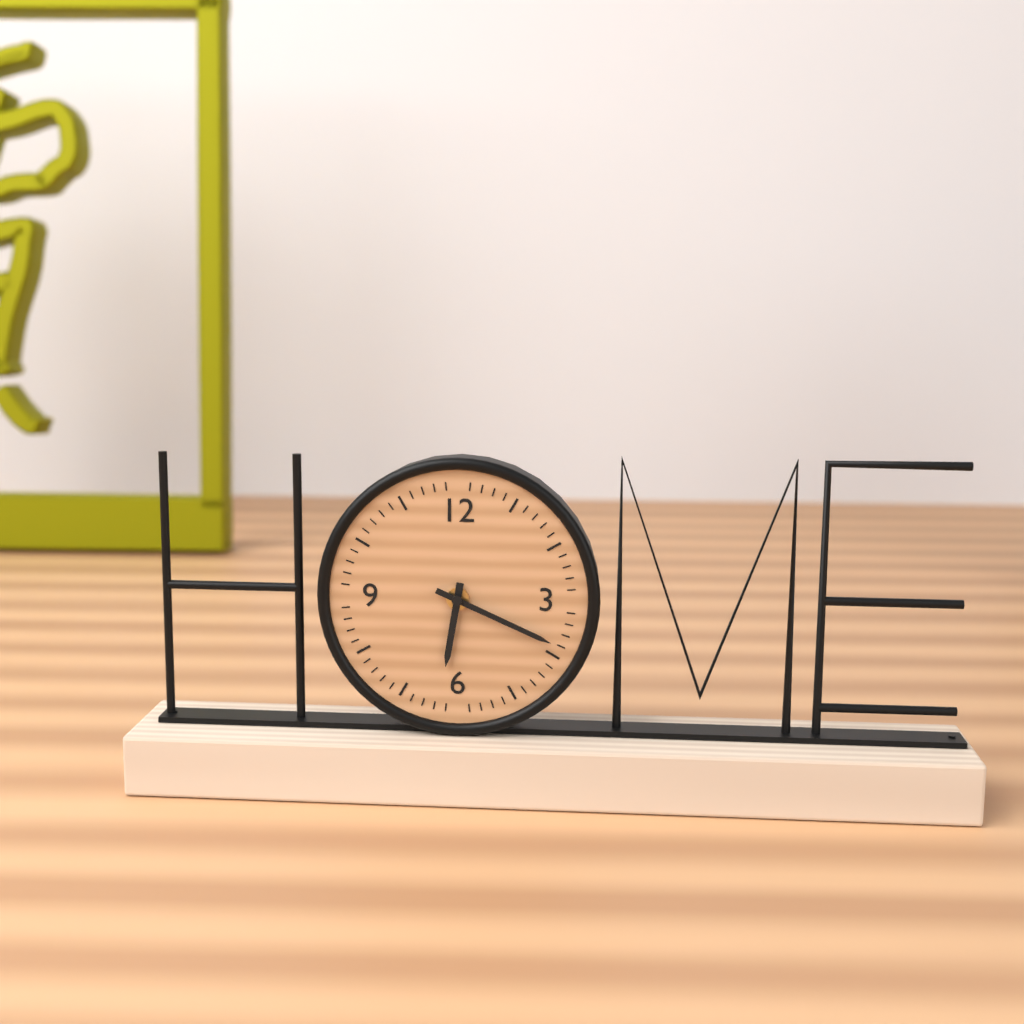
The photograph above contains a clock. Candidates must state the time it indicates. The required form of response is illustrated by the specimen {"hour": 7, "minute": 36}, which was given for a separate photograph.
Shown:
{"hour": 6, "minute": 19}
